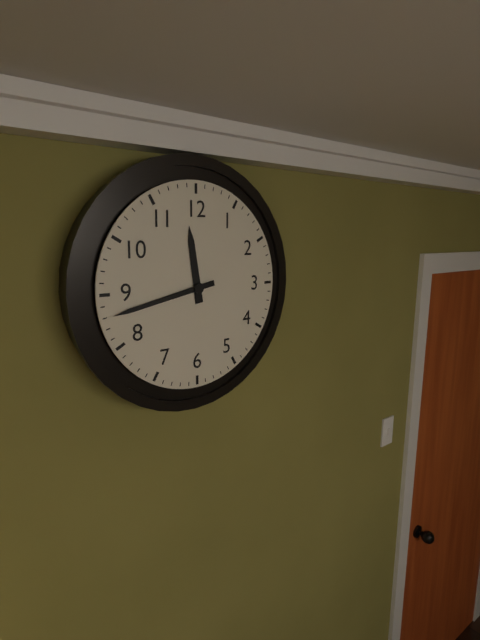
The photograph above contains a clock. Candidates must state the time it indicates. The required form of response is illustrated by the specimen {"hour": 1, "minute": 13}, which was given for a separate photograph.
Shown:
{"hour": 11, "minute": 43}
